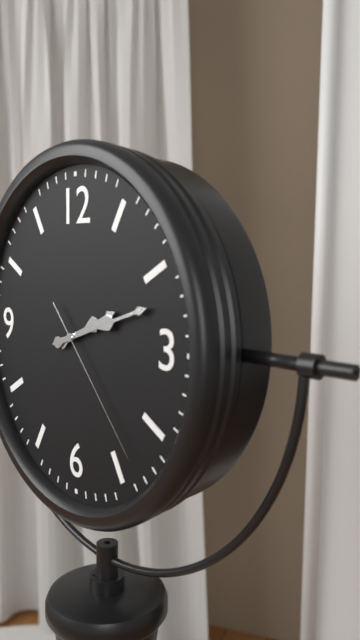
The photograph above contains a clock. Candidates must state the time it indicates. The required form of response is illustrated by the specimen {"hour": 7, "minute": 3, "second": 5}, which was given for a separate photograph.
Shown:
{"hour": 2, "minute": 12, "second": 23}
